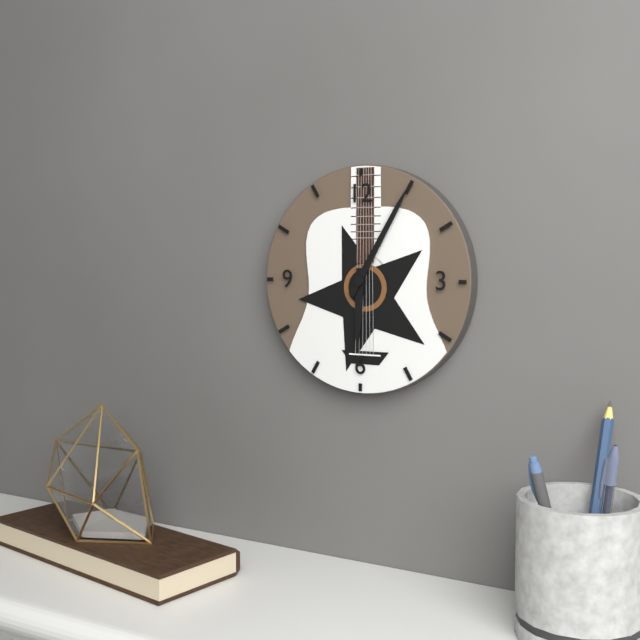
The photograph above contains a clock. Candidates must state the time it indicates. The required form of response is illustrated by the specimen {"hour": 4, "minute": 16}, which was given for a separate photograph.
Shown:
{"hour": 6, "minute": 5}
